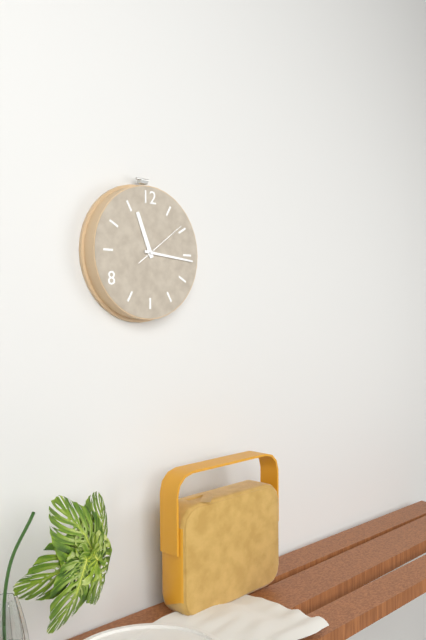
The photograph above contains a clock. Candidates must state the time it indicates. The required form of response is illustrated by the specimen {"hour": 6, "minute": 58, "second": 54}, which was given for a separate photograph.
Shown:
{"hour": 11, "minute": 16, "second": 9}
